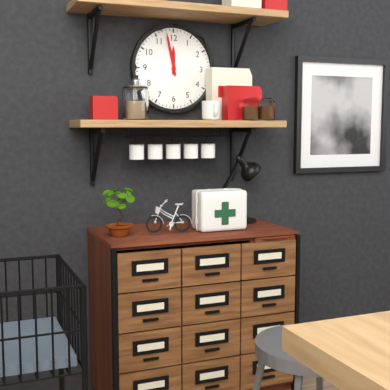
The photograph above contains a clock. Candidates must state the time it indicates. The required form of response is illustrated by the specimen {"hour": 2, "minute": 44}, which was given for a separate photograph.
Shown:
{"hour": 11, "minute": 58}
